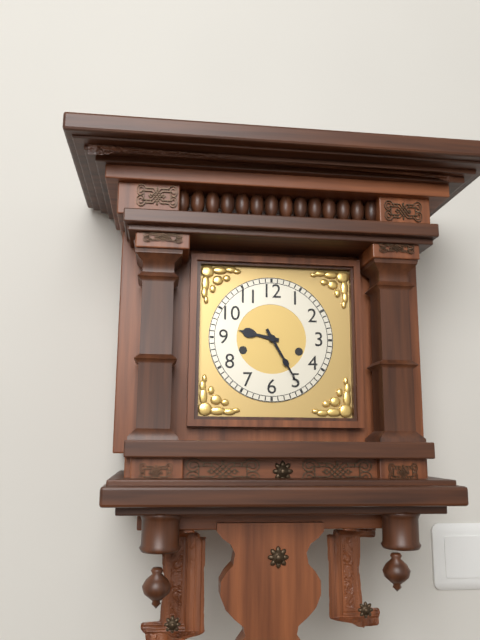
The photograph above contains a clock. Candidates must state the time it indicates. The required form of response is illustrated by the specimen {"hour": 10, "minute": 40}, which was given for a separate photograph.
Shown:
{"hour": 9, "minute": 25}
